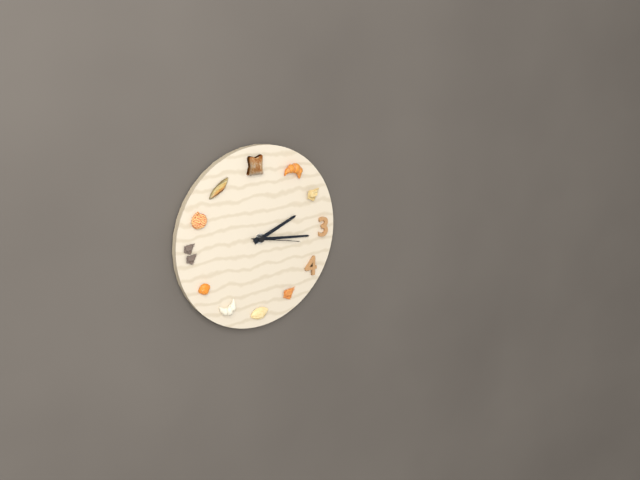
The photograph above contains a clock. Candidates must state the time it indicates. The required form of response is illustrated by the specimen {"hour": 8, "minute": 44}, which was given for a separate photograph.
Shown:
{"hour": 2, "minute": 16}
